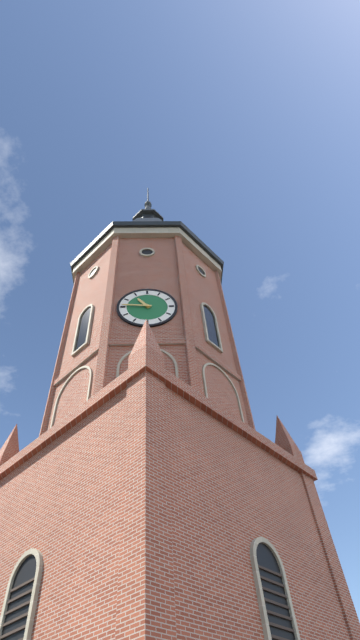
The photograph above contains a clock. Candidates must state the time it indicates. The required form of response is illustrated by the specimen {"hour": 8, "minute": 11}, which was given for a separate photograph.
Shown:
{"hour": 10, "minute": 46}
